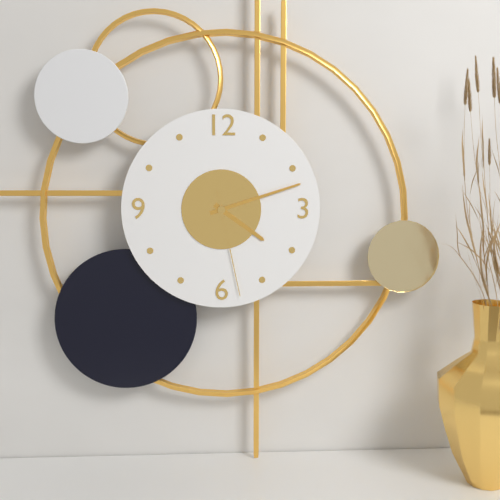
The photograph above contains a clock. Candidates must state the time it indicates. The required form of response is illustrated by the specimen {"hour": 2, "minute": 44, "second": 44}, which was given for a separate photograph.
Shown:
{"hour": 4, "minute": 12, "second": 28}
